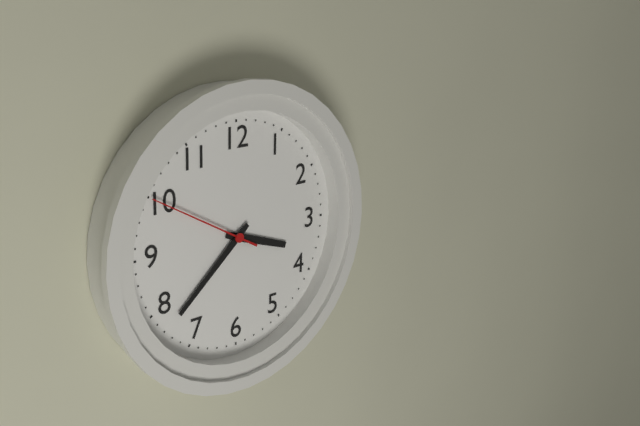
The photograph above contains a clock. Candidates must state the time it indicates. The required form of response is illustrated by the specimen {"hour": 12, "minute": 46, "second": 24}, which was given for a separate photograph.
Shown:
{"hour": 3, "minute": 38, "second": 50}
